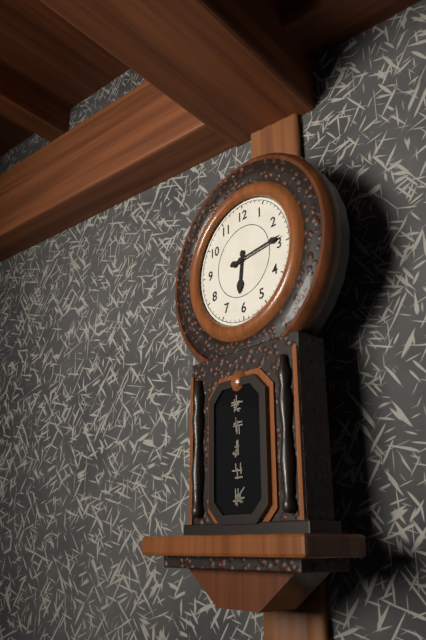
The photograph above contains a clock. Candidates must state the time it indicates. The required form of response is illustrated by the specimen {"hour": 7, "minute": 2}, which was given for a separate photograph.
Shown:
{"hour": 6, "minute": 14}
